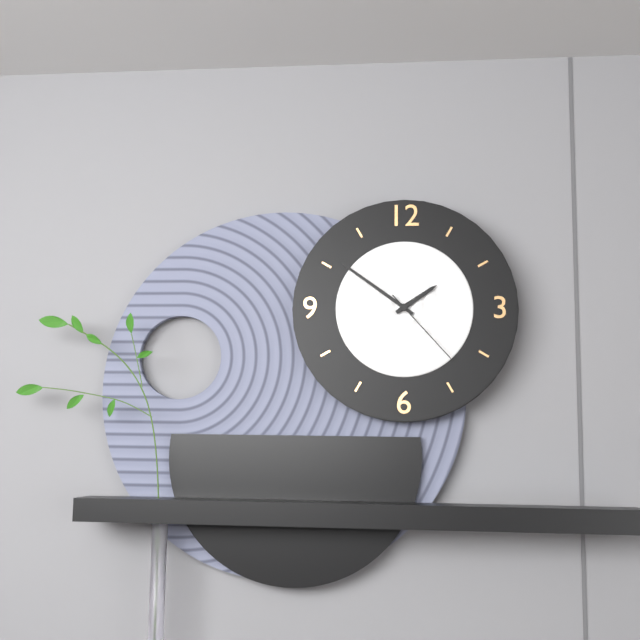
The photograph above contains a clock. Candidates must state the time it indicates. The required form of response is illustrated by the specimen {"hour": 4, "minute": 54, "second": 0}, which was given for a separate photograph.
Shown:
{"hour": 1, "minute": 51, "second": 23}
